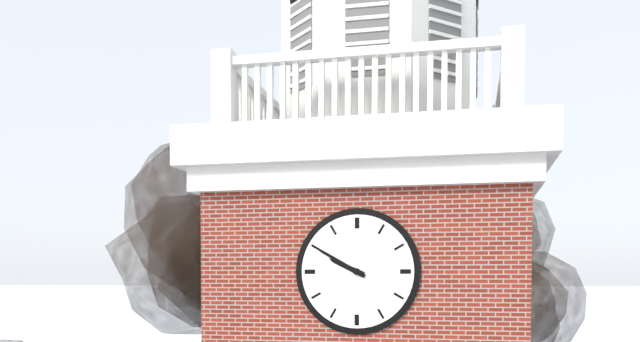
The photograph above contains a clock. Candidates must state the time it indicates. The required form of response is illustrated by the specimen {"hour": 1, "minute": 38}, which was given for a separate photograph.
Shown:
{"hour": 9, "minute": 50}
